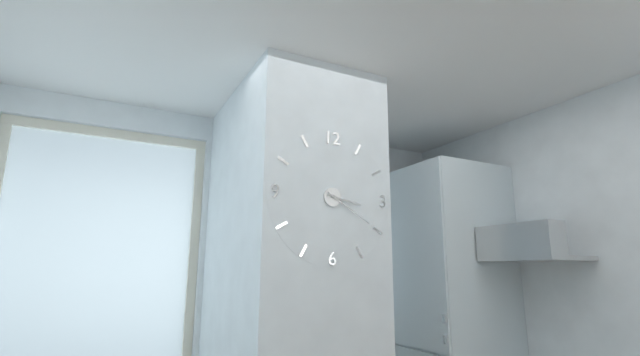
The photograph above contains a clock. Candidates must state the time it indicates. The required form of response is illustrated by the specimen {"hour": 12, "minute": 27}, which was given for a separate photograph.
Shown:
{"hour": 3, "minute": 20}
